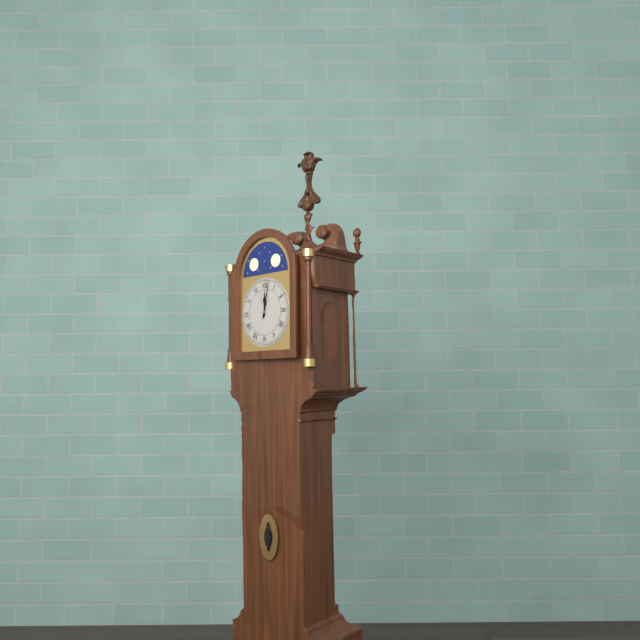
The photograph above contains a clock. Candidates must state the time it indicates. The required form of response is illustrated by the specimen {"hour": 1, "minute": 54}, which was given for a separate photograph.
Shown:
{"hour": 12, "minute": 2}
